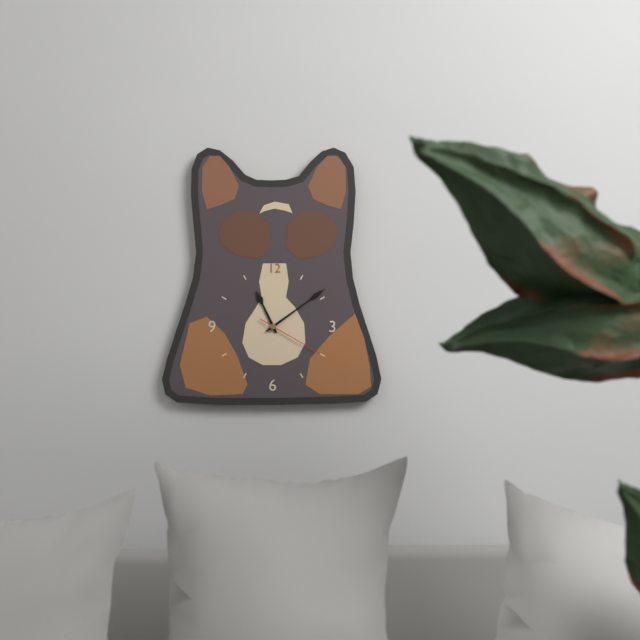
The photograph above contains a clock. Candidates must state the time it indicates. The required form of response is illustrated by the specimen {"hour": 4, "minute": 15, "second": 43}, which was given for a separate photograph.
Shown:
{"hour": 11, "minute": 9, "second": 20}
